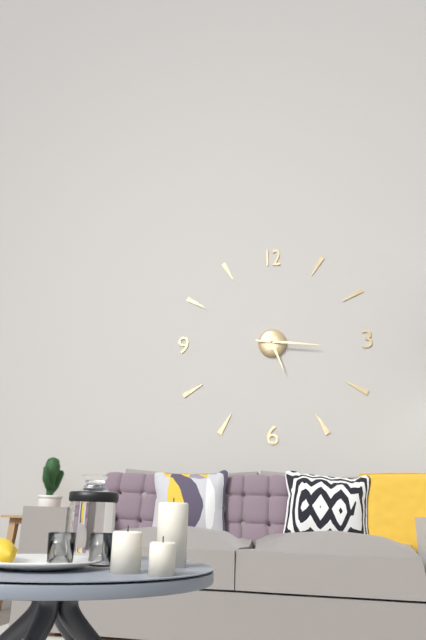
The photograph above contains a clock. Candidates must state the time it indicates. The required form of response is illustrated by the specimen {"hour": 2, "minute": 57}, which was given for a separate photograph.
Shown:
{"hour": 5, "minute": 16}
